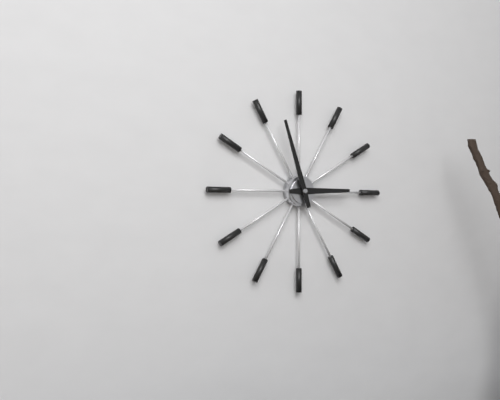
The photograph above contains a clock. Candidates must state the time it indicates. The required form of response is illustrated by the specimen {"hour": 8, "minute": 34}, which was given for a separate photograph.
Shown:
{"hour": 2, "minute": 57}
